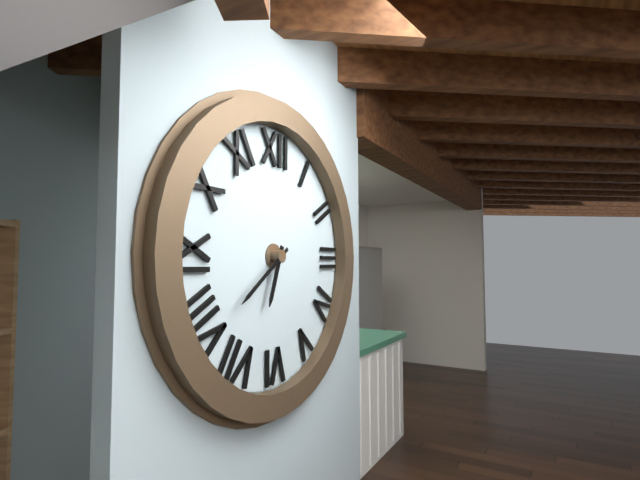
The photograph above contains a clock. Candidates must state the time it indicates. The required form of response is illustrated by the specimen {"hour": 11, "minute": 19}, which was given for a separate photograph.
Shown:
{"hour": 6, "minute": 39}
